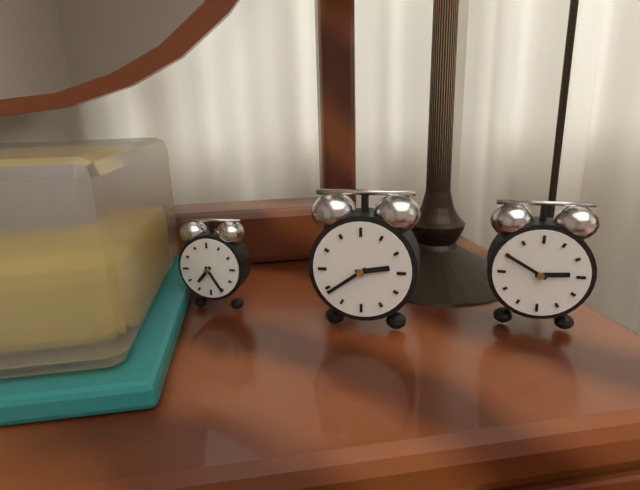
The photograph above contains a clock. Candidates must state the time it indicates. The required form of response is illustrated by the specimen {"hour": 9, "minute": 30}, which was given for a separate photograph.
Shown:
{"hour": 2, "minute": 39}
